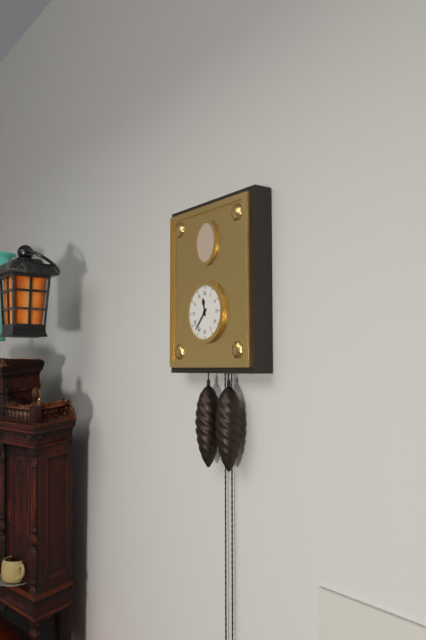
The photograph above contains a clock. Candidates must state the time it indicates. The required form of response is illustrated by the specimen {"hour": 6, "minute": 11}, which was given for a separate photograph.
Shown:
{"hour": 11, "minute": 37}
